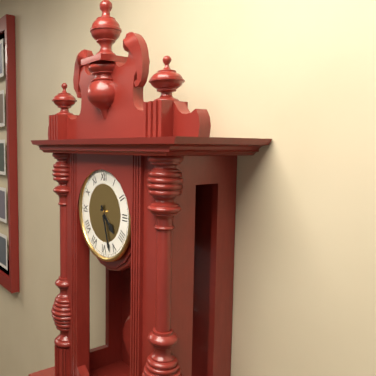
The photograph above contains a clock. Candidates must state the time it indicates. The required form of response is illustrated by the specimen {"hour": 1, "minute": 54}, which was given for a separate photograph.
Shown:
{"hour": 4, "minute": 27}
